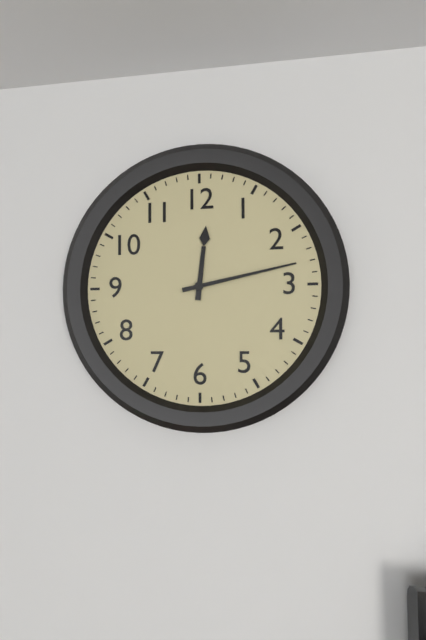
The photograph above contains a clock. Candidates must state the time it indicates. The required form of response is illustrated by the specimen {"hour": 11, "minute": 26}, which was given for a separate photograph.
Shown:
{"hour": 12, "minute": 13}
